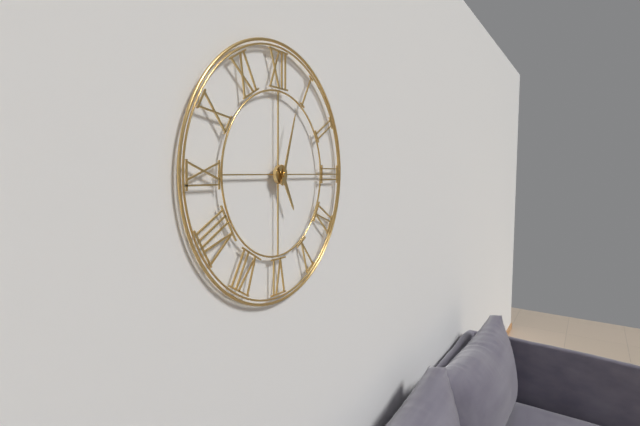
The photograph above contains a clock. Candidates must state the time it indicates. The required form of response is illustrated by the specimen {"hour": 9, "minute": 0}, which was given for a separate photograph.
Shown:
{"hour": 5, "minute": 3}
